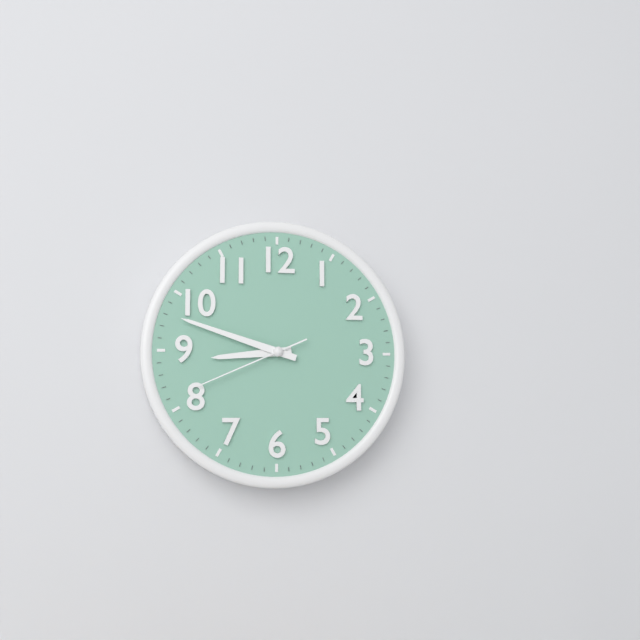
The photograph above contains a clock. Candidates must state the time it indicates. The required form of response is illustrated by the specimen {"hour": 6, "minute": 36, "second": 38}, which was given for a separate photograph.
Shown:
{"hour": 8, "minute": 48, "second": 41}
